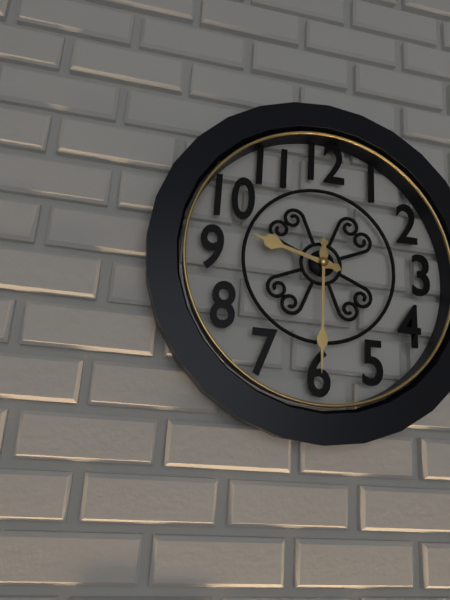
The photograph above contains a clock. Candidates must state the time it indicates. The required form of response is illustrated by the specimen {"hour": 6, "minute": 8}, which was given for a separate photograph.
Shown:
{"hour": 9, "minute": 30}
